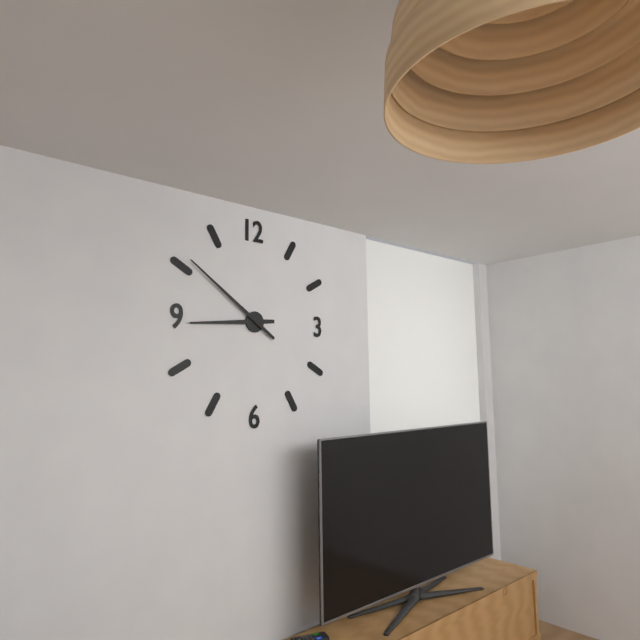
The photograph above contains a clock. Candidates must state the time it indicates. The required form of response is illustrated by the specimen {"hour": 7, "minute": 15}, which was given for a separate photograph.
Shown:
{"hour": 8, "minute": 51}
